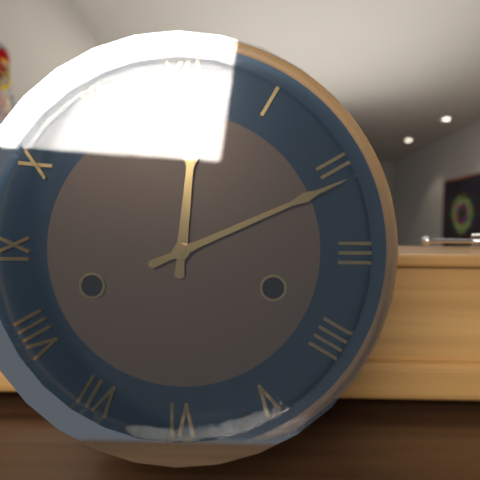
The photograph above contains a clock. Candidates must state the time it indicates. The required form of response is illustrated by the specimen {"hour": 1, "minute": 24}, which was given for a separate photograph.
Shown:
{"hour": 12, "minute": 11}
